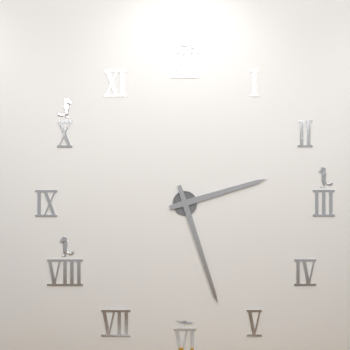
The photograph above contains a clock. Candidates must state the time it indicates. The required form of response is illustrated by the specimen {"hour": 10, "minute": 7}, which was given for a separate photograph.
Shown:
{"hour": 2, "minute": 27}
